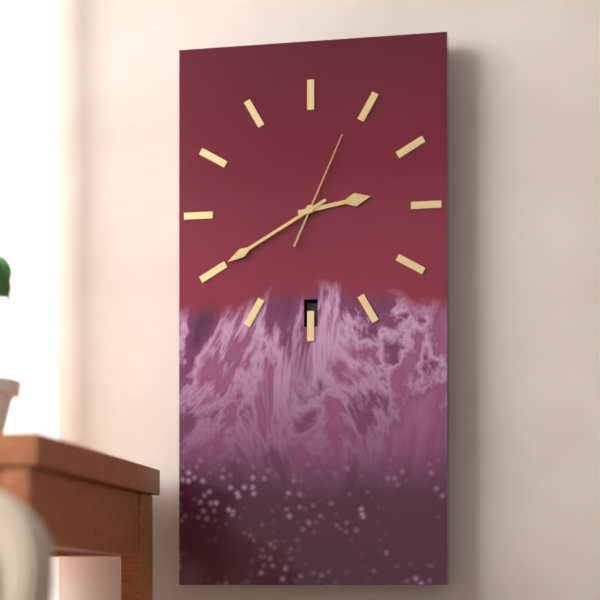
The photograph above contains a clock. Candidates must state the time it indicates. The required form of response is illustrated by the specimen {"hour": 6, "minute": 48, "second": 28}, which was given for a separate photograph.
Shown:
{"hour": 2, "minute": 40, "second": 4}
